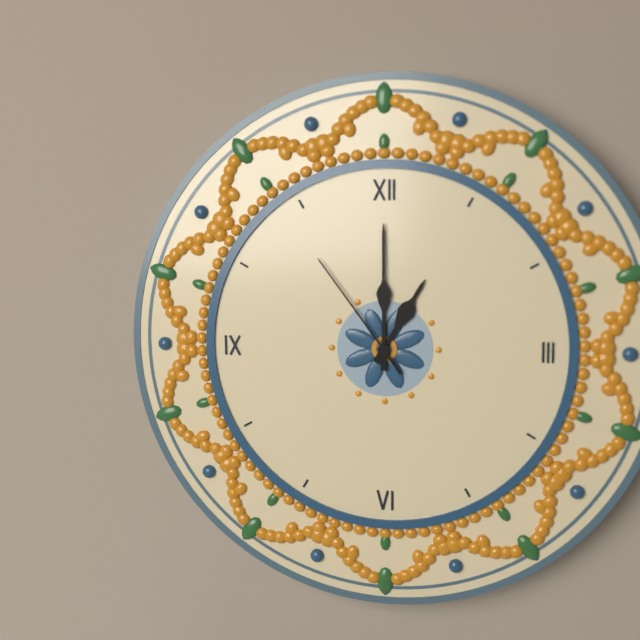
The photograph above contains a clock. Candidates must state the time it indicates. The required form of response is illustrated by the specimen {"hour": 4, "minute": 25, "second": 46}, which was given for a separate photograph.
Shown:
{"hour": 1, "minute": 0, "second": 54}
